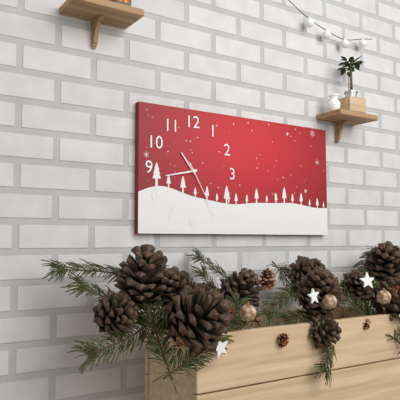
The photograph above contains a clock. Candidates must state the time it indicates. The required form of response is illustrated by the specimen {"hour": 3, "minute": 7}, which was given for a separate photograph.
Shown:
{"hour": 10, "minute": 43}
